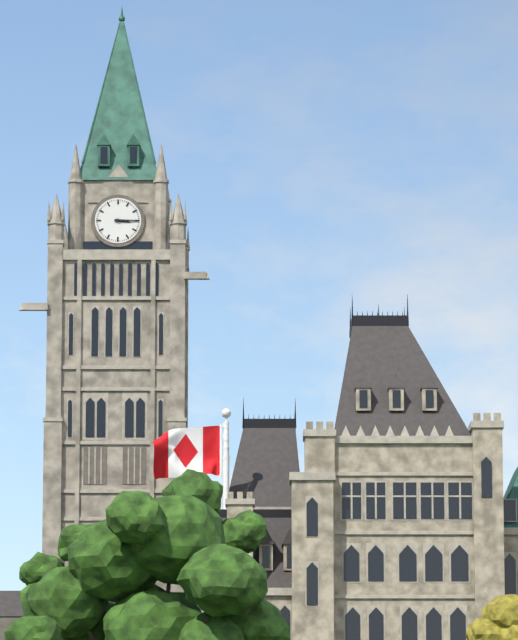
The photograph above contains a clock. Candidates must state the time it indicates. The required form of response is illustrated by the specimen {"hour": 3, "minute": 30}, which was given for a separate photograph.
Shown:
{"hour": 3, "minute": 15}
